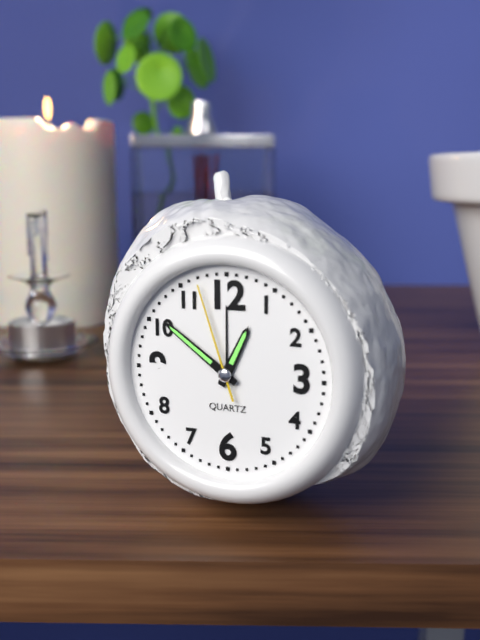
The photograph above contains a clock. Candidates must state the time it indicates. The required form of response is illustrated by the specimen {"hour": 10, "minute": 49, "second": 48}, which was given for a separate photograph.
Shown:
{"hour": 12, "minute": 51, "second": 57}
